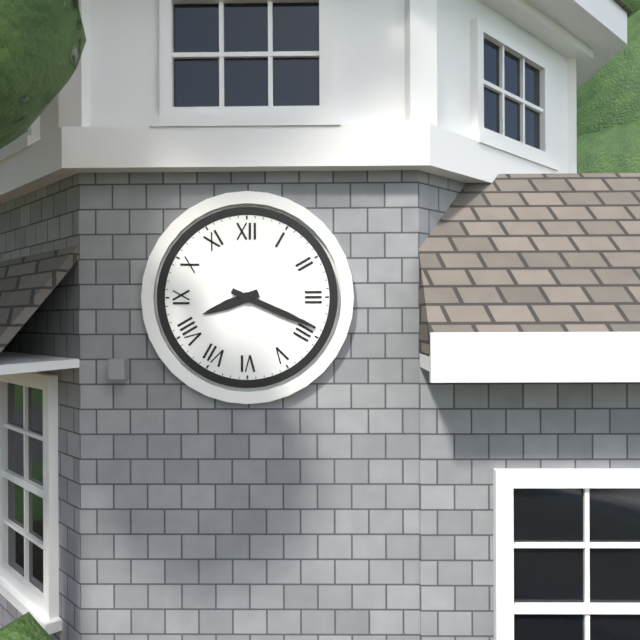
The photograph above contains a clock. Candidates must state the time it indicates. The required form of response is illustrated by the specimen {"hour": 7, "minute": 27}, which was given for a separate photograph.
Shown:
{"hour": 8, "minute": 19}
